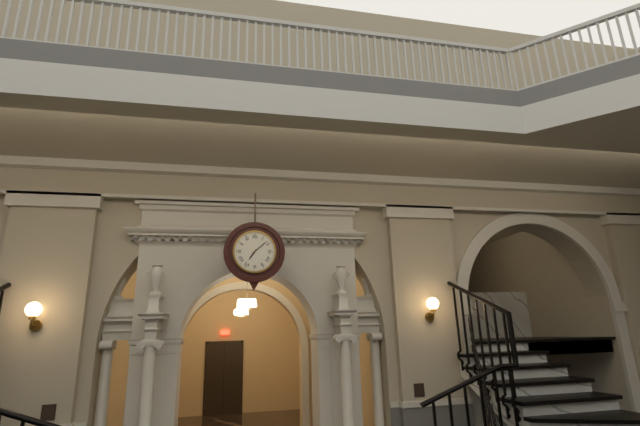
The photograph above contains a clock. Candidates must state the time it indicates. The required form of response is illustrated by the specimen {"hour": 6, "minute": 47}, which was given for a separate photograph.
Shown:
{"hour": 7, "minute": 8}
